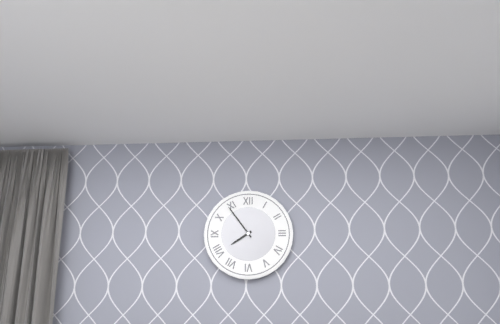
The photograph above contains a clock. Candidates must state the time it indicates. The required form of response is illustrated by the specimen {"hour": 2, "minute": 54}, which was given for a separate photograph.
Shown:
{"hour": 7, "minute": 54}
